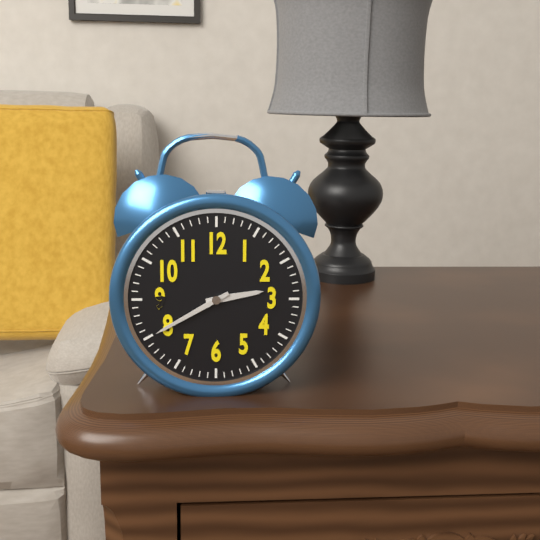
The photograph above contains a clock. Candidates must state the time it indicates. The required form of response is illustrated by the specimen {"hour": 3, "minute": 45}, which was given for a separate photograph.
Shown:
{"hour": 2, "minute": 40}
